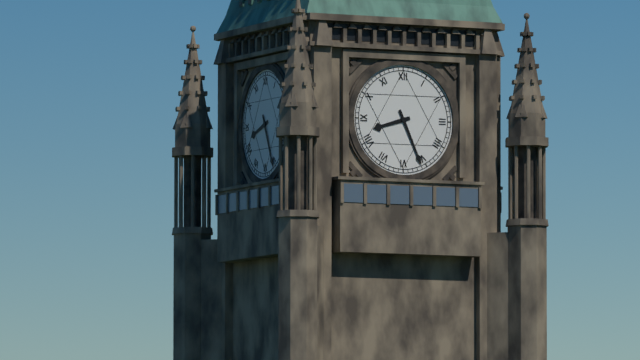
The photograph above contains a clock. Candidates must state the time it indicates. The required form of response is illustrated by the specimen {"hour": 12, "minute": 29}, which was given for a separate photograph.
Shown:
{"hour": 8, "minute": 26}
